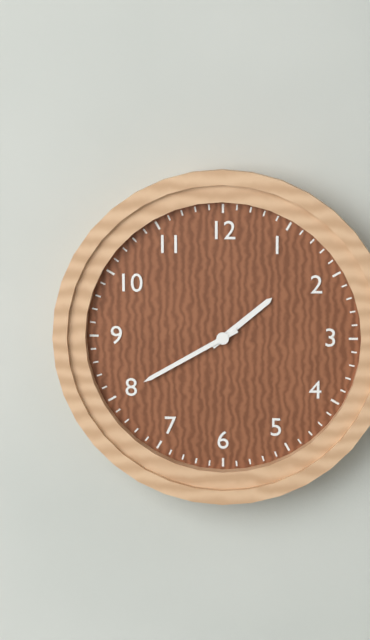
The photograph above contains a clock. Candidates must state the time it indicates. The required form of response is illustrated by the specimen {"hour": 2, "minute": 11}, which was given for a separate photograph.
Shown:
{"hour": 1, "minute": 40}
